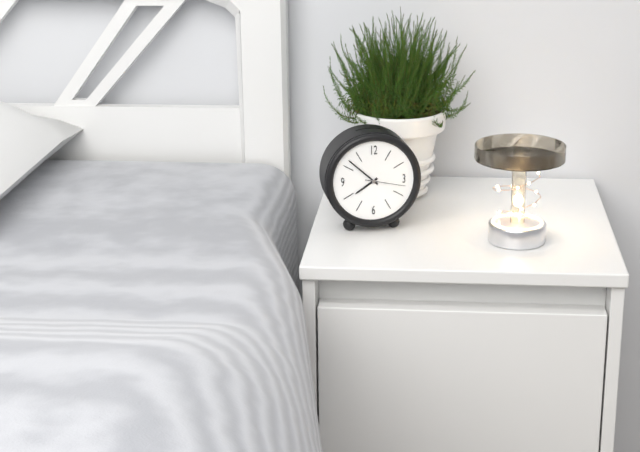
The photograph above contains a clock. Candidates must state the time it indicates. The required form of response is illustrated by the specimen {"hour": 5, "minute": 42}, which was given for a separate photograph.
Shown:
{"hour": 7, "minute": 52}
